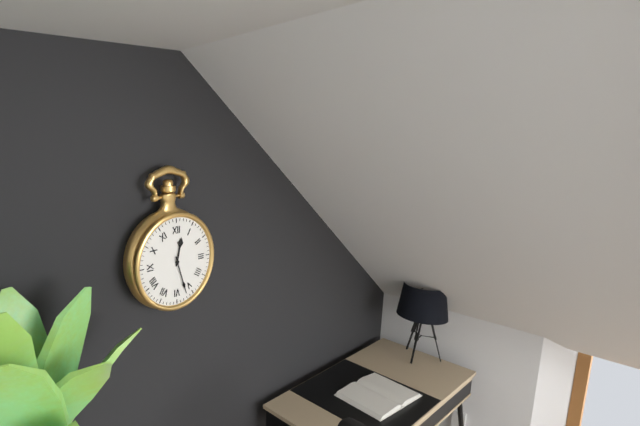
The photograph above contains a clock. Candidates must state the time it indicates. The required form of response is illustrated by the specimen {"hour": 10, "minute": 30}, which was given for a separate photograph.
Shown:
{"hour": 12, "minute": 27}
